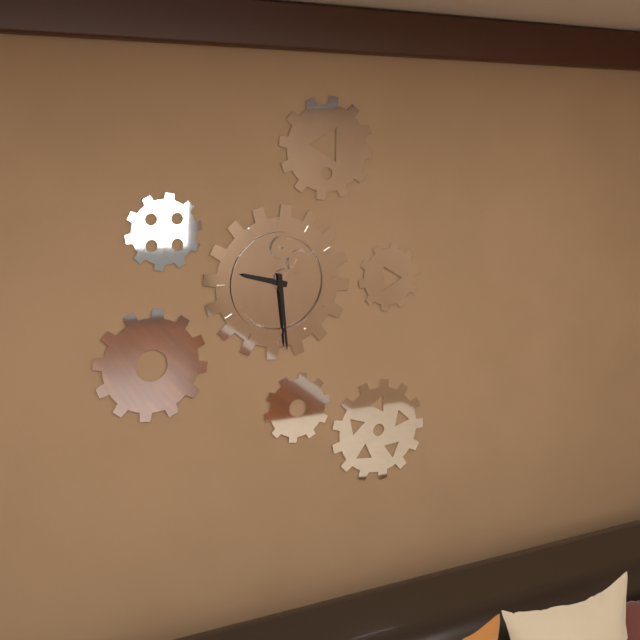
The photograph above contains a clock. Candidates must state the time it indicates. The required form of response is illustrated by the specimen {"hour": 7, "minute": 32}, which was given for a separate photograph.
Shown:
{"hour": 9, "minute": 29}
